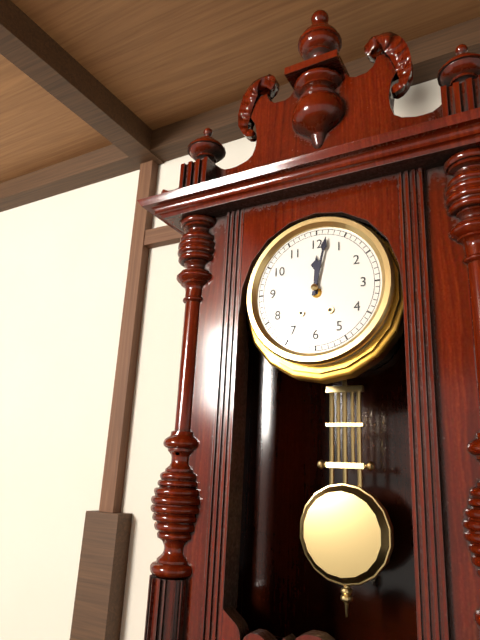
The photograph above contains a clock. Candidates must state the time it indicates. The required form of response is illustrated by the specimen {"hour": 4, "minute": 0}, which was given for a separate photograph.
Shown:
{"hour": 12, "minute": 2}
